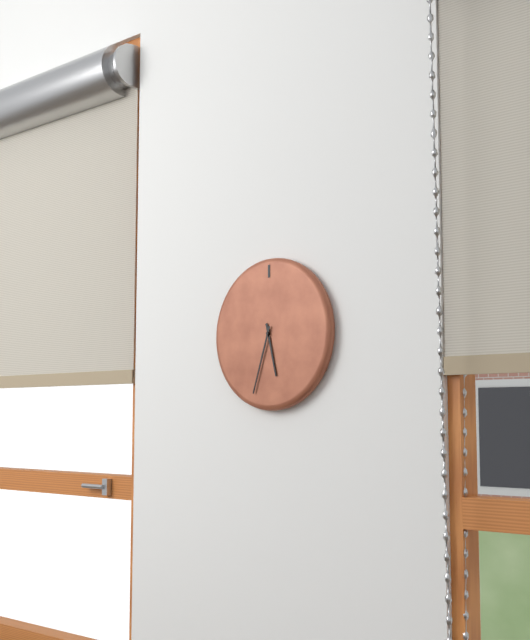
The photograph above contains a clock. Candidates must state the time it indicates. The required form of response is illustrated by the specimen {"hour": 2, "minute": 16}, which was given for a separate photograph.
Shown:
{"hour": 5, "minute": 33}
